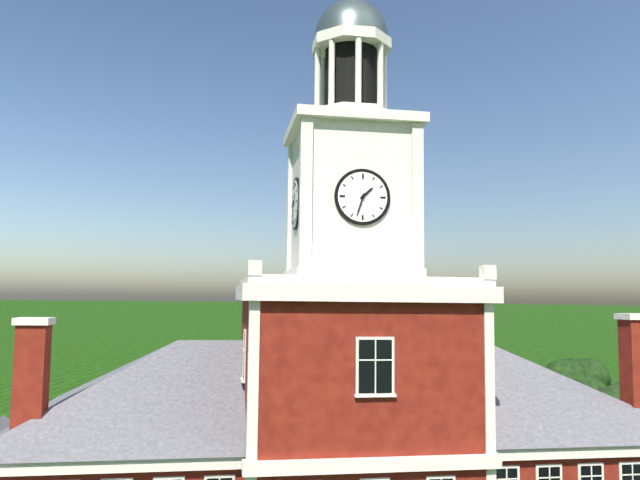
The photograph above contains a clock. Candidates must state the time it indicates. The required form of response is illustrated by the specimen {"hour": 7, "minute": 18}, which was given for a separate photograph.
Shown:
{"hour": 1, "minute": 33}
